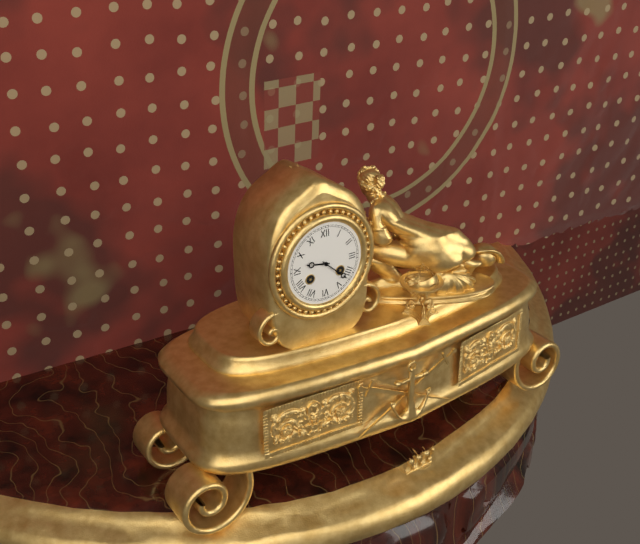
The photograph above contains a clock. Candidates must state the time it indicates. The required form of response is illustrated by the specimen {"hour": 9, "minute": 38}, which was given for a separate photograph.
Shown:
{"hour": 9, "minute": 22}
